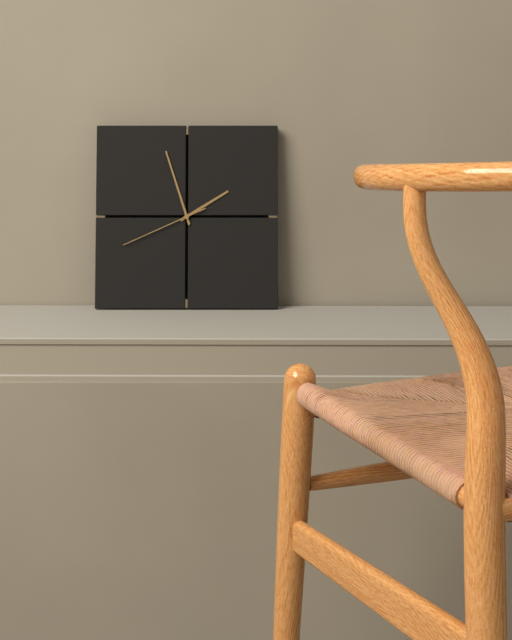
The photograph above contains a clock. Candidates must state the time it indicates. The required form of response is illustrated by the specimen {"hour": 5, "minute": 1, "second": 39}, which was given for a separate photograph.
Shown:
{"hour": 1, "minute": 57, "second": 41}
